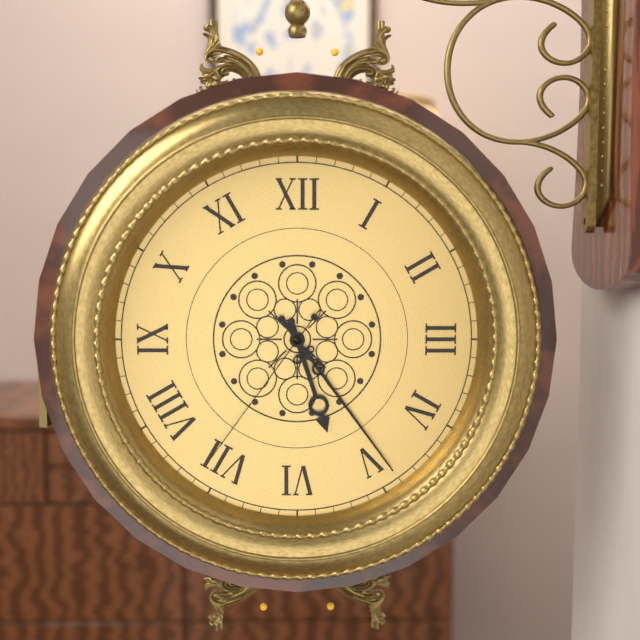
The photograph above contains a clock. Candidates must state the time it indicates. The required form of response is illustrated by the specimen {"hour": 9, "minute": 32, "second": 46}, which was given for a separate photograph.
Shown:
{"hour": 5, "minute": 24, "second": 36}
